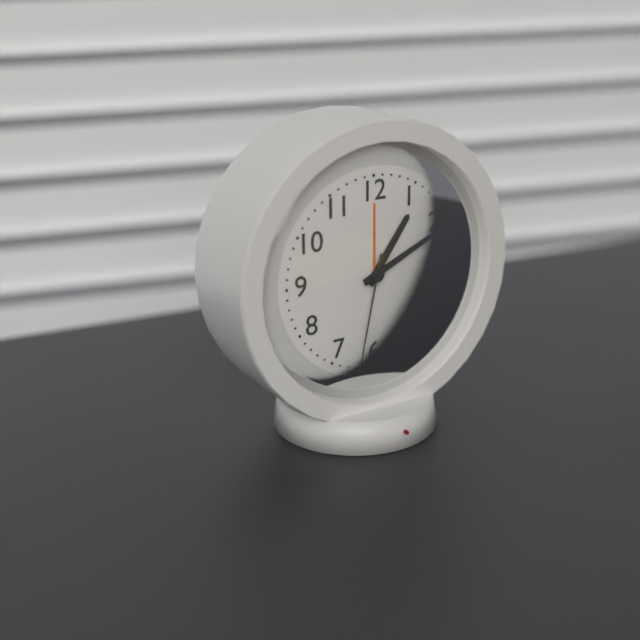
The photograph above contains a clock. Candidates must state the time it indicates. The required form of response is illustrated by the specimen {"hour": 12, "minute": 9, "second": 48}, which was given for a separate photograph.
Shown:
{"hour": 1, "minute": 11, "second": 32}
